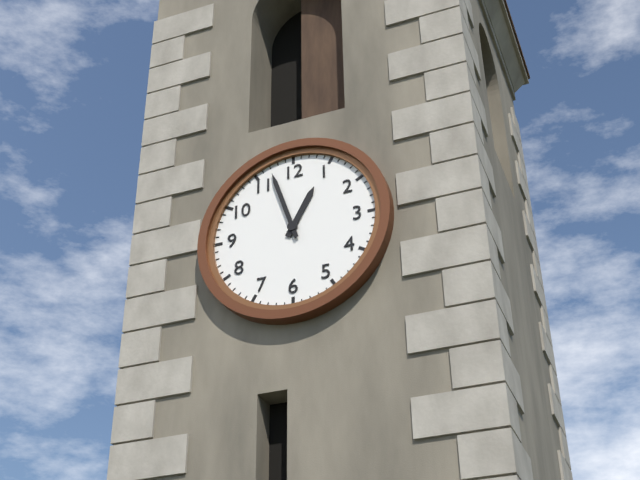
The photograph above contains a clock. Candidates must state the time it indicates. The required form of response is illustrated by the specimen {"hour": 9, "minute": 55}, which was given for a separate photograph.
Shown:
{"hour": 12, "minute": 57}
